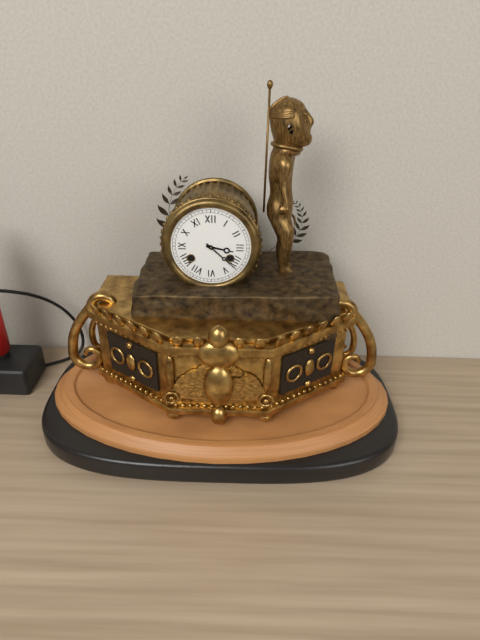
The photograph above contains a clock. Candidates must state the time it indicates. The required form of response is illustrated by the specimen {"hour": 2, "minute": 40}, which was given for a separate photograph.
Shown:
{"hour": 3, "minute": 22}
